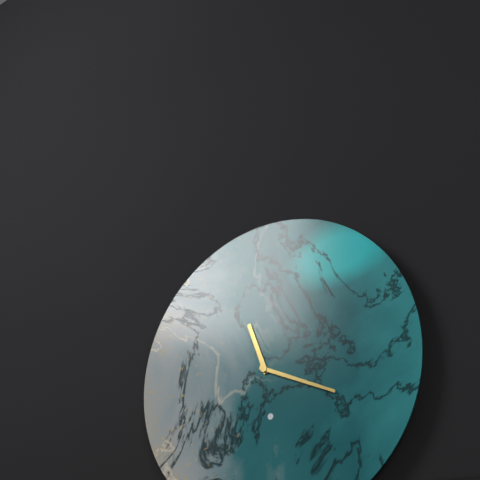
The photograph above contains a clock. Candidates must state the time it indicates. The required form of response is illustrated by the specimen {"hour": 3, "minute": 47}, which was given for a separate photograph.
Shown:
{"hour": 11, "minute": 19}
